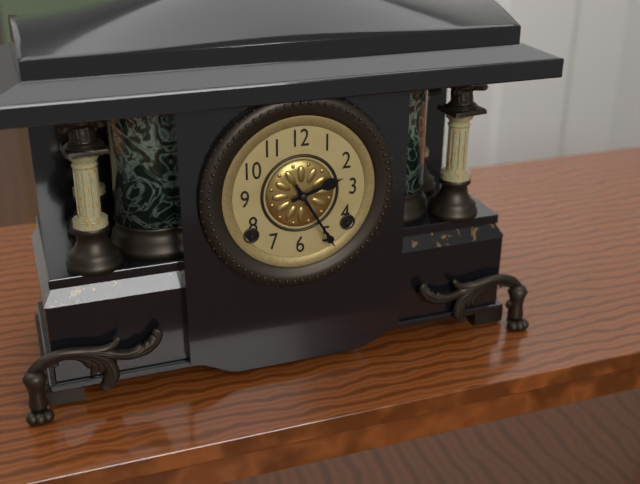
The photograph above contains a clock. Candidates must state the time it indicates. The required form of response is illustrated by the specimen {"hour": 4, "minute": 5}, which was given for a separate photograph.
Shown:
{"hour": 2, "minute": 25}
